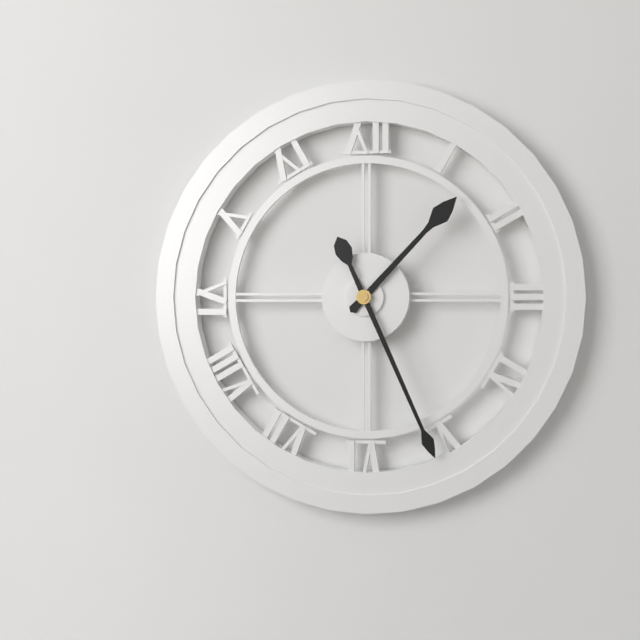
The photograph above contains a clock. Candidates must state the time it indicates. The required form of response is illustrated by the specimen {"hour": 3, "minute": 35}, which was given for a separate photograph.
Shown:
{"hour": 1, "minute": 26}
